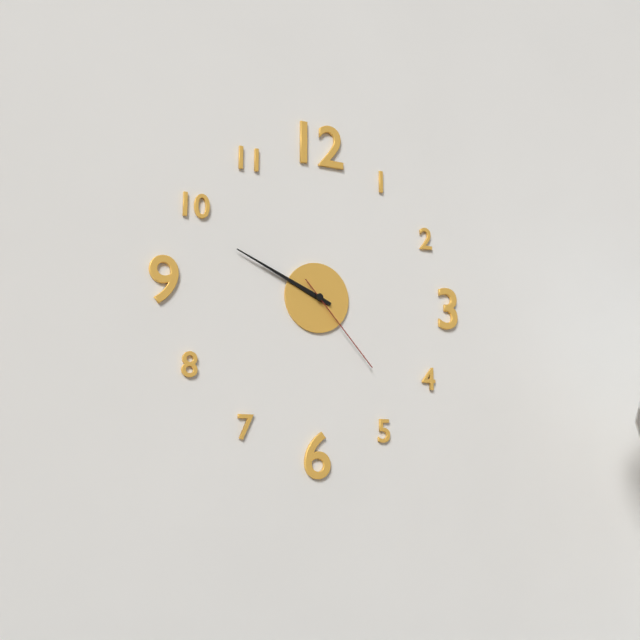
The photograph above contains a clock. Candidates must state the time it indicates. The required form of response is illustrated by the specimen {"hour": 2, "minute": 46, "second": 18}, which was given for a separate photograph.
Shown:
{"hour": 9, "minute": 49, "second": 23}
